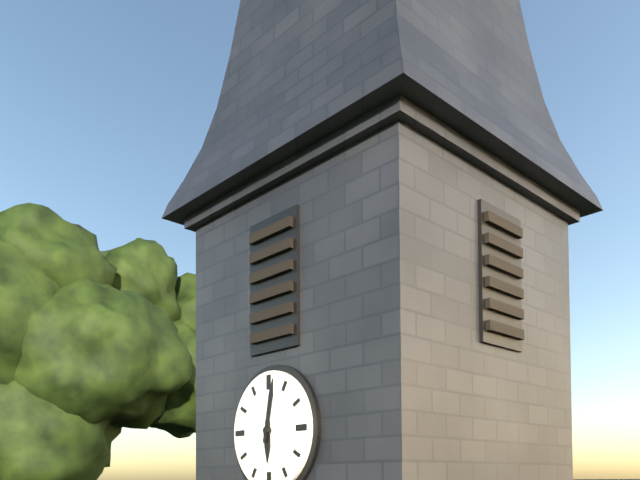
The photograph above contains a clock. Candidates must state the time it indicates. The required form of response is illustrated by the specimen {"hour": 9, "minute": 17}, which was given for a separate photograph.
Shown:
{"hour": 6, "minute": 2}
